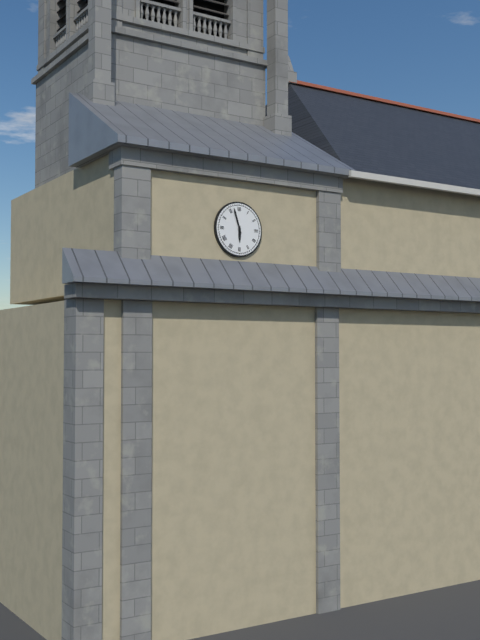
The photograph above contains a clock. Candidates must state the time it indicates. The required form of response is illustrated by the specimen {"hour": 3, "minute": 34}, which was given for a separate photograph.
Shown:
{"hour": 5, "minute": 57}
